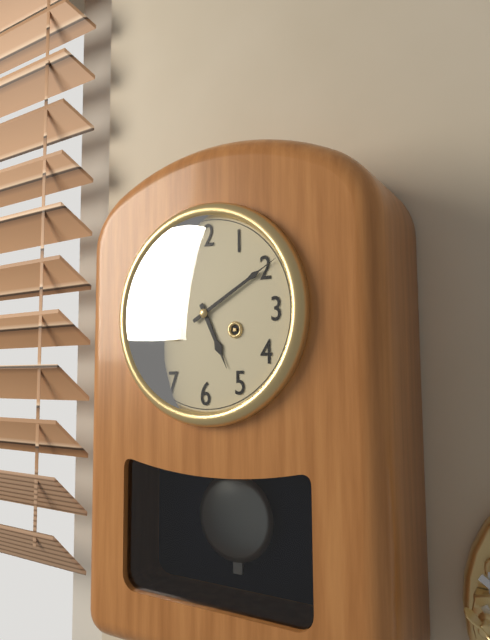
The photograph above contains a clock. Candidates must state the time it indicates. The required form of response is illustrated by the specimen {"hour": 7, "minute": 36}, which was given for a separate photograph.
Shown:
{"hour": 5, "minute": 10}
